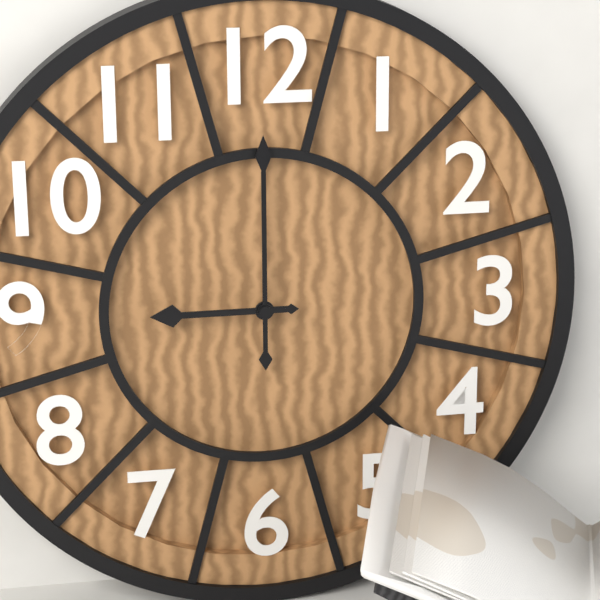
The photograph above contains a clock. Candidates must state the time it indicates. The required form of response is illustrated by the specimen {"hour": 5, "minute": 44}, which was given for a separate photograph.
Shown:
{"hour": 9, "minute": 0}
